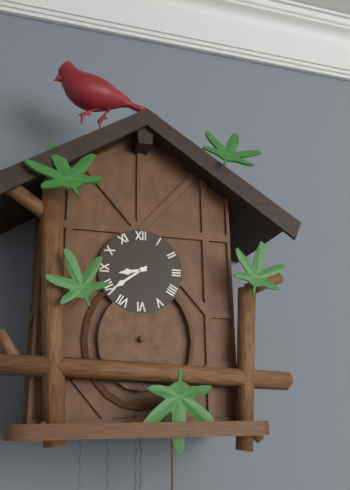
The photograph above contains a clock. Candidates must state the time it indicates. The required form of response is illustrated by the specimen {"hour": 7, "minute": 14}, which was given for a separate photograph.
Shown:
{"hour": 8, "minute": 39}
